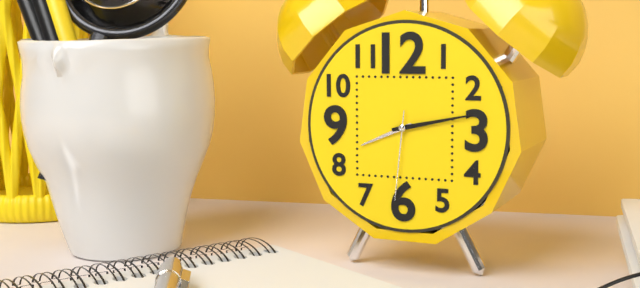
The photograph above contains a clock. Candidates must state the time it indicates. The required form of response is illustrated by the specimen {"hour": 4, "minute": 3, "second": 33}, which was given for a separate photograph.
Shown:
{"hour": 8, "minute": 13, "second": 31}
